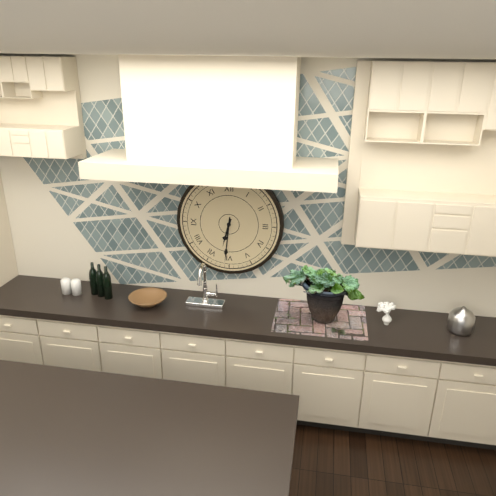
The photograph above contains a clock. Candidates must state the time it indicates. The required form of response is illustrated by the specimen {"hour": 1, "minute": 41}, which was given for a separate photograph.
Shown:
{"hour": 6, "minute": 31}
